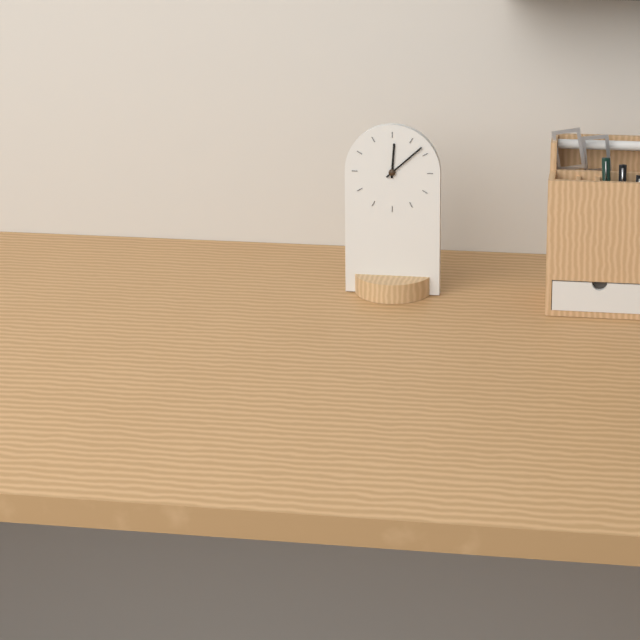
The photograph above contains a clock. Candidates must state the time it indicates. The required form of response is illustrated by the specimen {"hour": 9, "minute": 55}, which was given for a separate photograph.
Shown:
{"hour": 12, "minute": 8}
